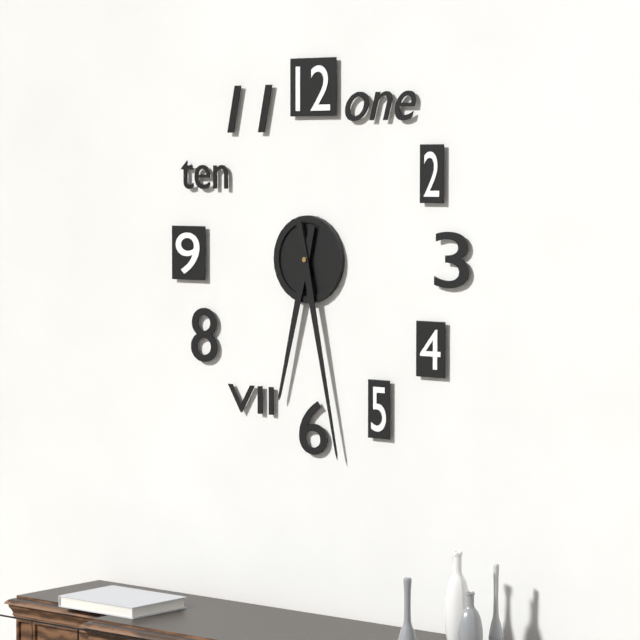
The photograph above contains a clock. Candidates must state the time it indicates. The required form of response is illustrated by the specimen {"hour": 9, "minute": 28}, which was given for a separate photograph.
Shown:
{"hour": 6, "minute": 28}
